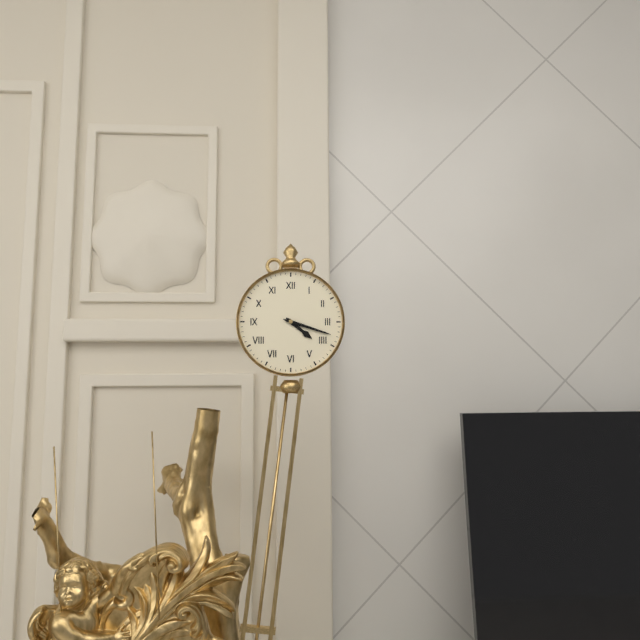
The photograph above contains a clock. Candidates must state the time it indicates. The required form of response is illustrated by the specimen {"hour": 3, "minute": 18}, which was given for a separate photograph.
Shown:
{"hour": 4, "minute": 18}
